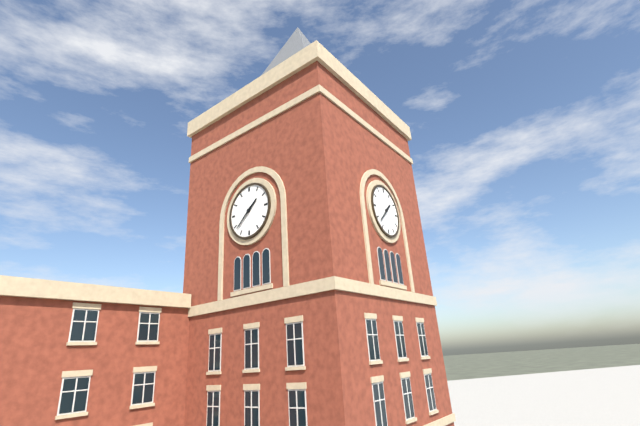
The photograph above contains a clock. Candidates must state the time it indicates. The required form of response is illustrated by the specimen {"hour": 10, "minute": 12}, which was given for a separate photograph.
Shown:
{"hour": 1, "minute": 38}
